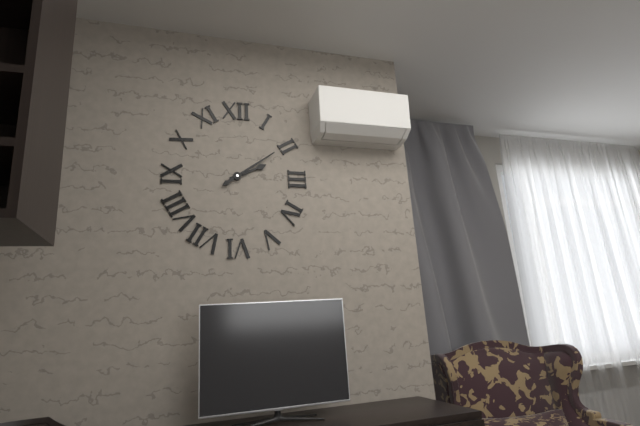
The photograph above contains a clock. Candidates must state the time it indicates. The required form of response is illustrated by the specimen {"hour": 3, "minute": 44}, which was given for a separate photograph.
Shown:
{"hour": 2, "minute": 9}
